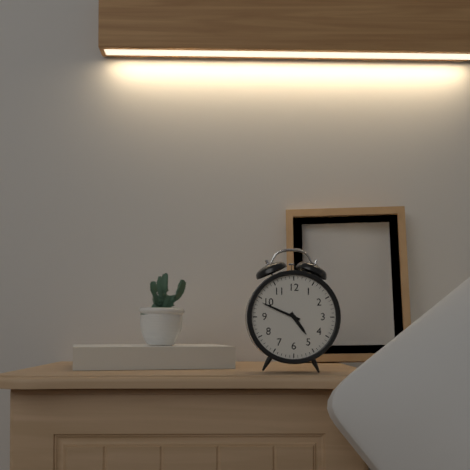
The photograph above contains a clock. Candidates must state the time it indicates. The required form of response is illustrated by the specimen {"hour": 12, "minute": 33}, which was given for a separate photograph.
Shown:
{"hour": 4, "minute": 49}
